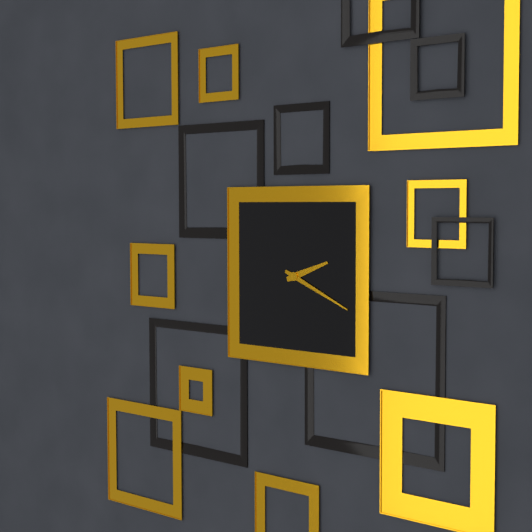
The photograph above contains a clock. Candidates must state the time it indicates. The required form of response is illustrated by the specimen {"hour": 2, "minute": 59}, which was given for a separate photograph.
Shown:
{"hour": 2, "minute": 19}
